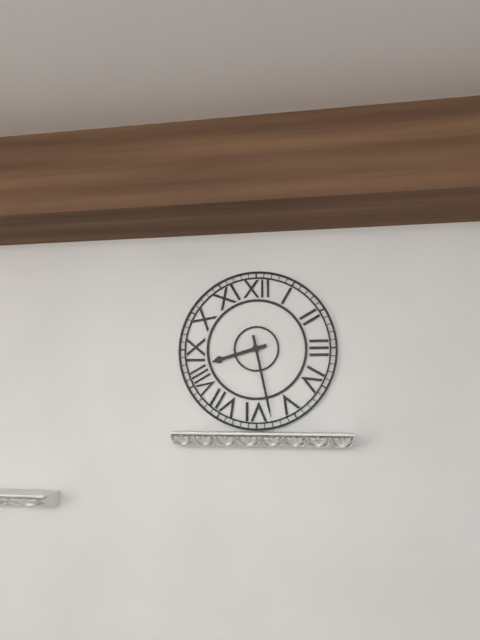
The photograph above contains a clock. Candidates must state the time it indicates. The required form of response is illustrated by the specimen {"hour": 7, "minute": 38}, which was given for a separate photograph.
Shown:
{"hour": 8, "minute": 28}
